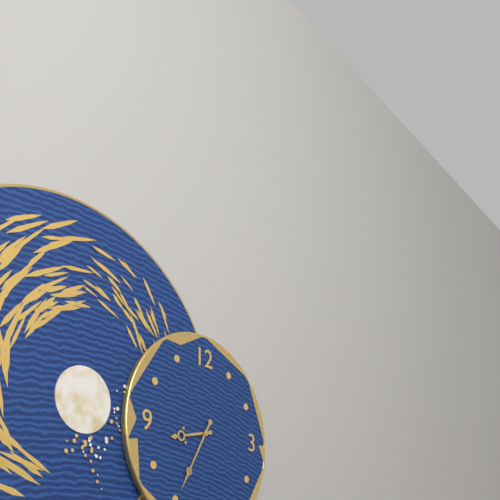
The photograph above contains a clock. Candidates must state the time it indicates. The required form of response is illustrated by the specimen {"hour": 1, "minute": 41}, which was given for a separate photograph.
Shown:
{"hour": 8, "minute": 35}
